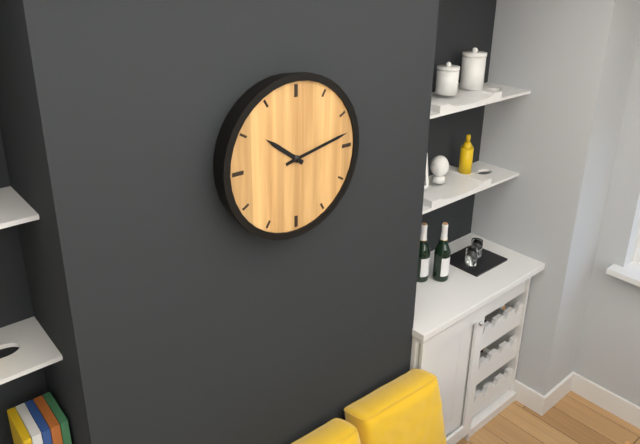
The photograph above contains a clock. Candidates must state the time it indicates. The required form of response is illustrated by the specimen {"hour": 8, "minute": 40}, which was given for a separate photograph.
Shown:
{"hour": 10, "minute": 13}
